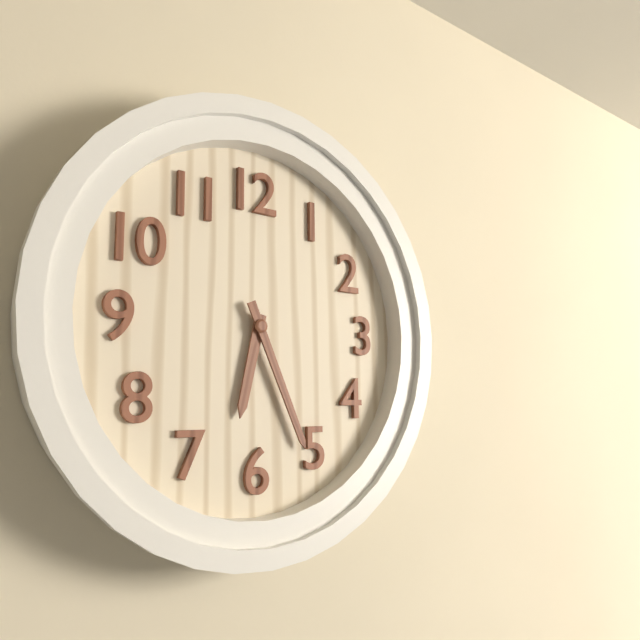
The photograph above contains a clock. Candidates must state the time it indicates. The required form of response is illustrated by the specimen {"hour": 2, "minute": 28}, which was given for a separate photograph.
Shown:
{"hour": 6, "minute": 26}
